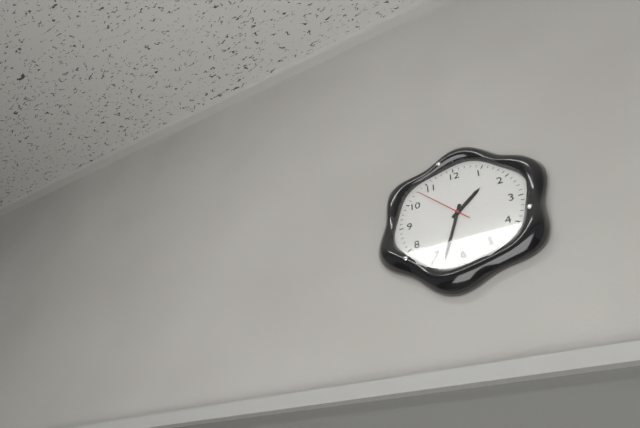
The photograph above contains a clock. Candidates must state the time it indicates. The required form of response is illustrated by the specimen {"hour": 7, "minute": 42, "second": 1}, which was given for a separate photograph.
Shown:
{"hour": 1, "minute": 33, "second": 53}
